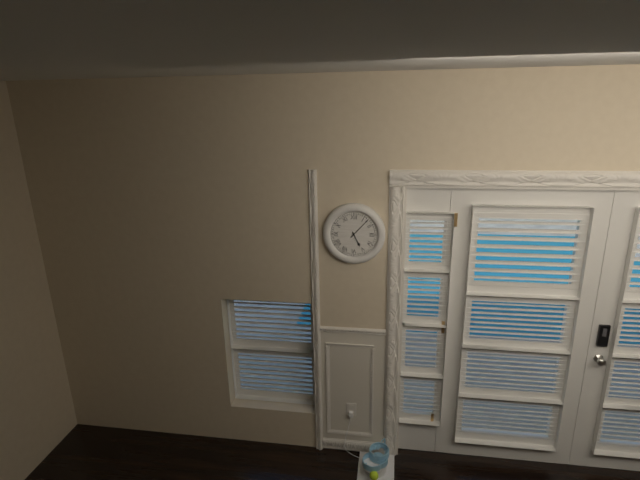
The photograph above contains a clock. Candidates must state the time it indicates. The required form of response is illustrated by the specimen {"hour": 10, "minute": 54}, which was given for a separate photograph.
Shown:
{"hour": 5, "minute": 7}
